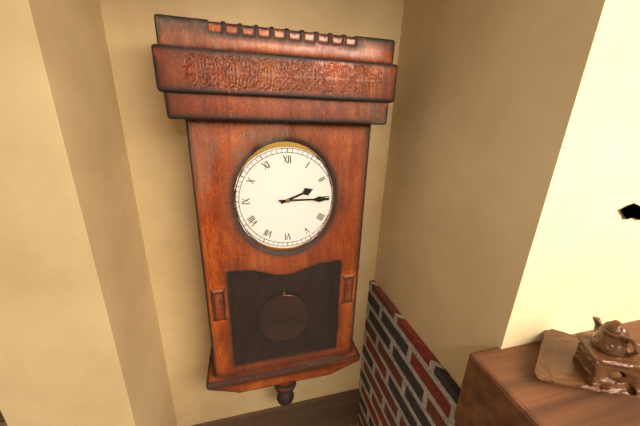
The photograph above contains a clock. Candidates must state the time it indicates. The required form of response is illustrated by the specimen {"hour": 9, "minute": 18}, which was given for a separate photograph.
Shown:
{"hour": 2, "minute": 15}
